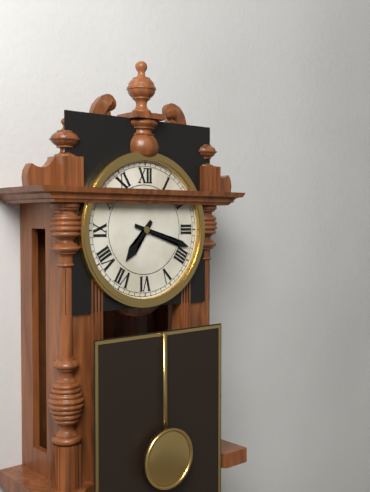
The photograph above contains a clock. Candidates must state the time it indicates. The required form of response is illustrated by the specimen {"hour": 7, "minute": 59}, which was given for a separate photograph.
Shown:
{"hour": 7, "minute": 18}
